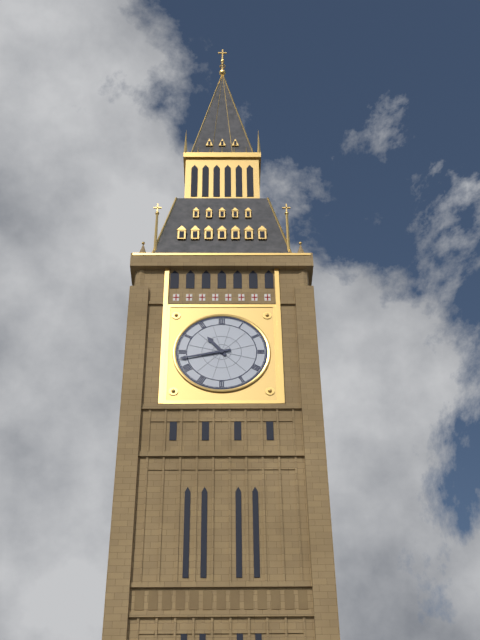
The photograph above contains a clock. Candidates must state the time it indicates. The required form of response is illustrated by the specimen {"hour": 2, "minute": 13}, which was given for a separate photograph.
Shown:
{"hour": 10, "minute": 43}
